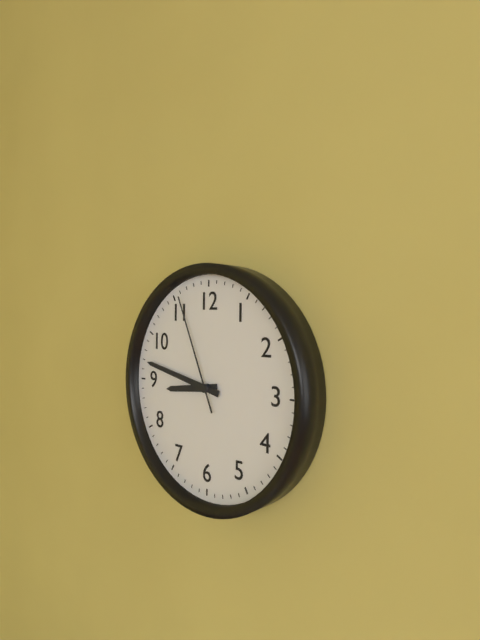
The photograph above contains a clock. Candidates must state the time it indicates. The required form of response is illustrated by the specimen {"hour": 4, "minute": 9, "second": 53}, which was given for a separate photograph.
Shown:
{"hour": 8, "minute": 47, "second": 56}
